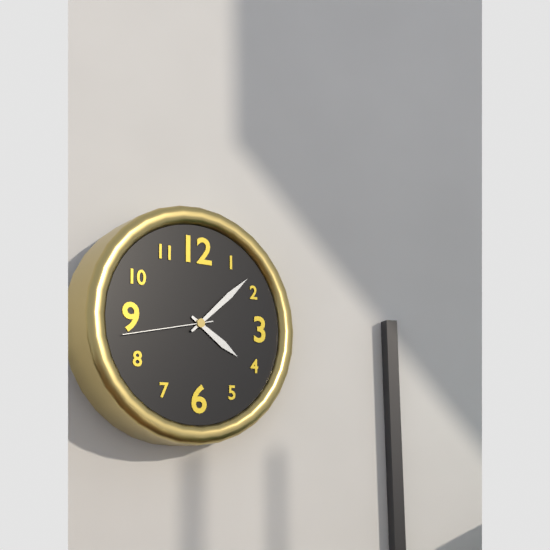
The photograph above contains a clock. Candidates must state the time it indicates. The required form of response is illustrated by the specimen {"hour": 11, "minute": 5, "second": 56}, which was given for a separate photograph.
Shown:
{"hour": 4, "minute": 8, "second": 43}
